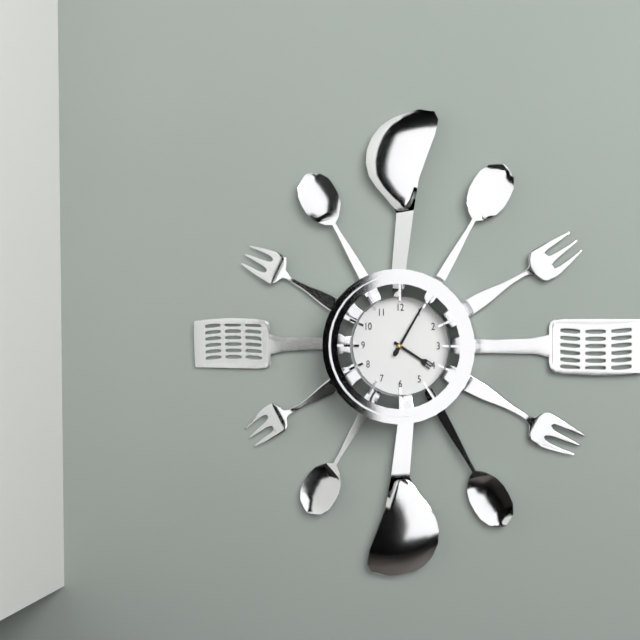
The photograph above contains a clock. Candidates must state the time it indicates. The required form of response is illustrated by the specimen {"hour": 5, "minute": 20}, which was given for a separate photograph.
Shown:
{"hour": 4, "minute": 5}
